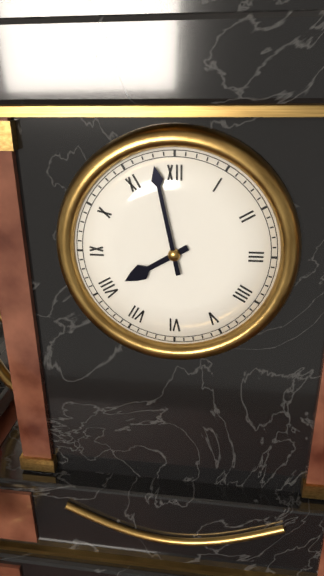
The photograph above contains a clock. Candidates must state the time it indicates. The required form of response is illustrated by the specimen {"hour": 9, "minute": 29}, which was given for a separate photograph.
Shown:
{"hour": 7, "minute": 58}
